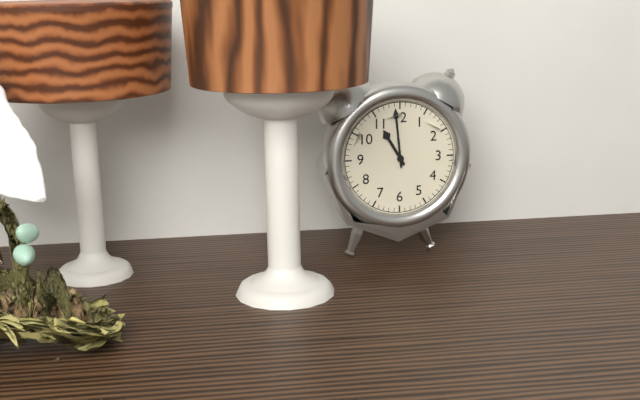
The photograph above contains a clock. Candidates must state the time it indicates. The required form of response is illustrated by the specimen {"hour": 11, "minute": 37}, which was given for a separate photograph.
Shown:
{"hour": 10, "minute": 59}
